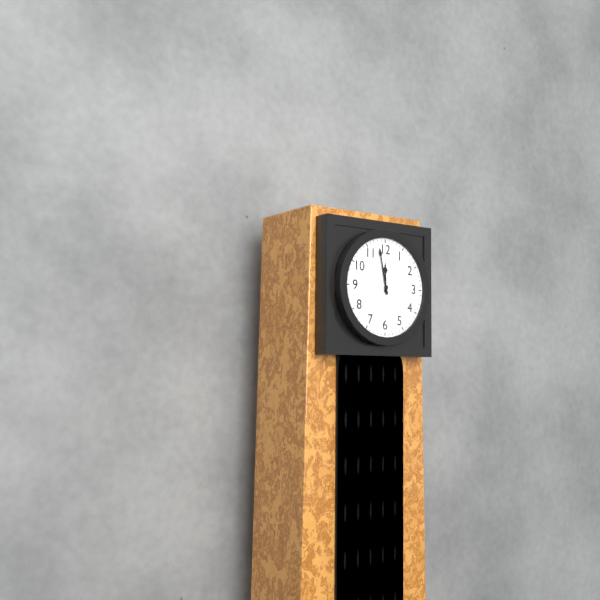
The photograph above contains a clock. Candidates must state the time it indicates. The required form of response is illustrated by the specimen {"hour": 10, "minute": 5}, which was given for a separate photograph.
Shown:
{"hour": 11, "minute": 58}
